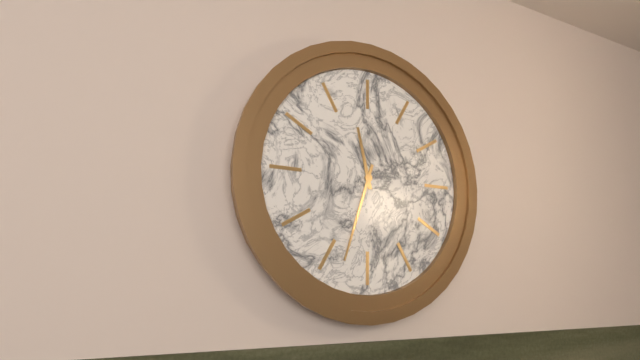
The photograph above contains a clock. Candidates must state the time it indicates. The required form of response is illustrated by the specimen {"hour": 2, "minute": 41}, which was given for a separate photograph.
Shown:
{"hour": 11, "minute": 33}
